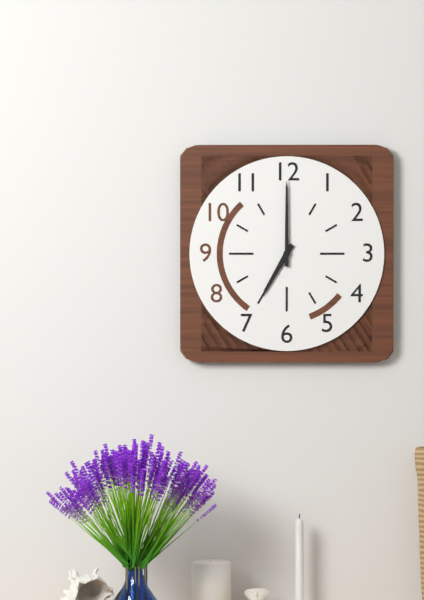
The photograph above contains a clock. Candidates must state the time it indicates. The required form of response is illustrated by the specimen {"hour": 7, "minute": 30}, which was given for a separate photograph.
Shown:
{"hour": 7, "minute": 0}
